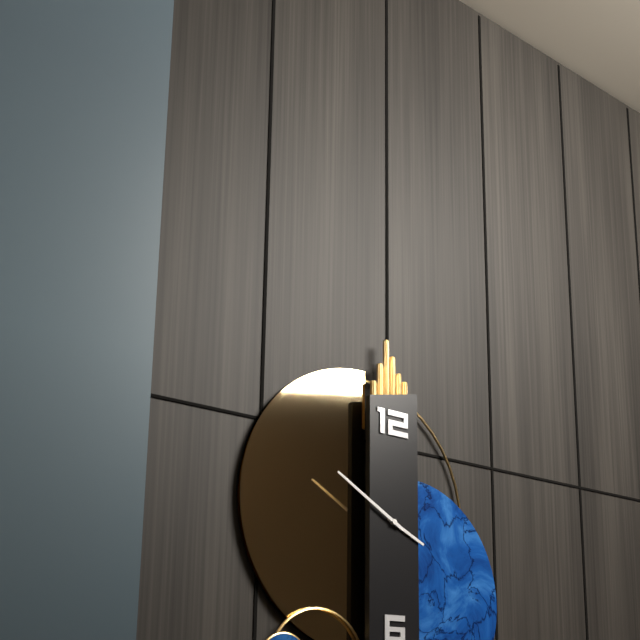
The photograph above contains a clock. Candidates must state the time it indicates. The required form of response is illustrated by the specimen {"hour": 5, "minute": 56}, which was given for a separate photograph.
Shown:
{"hour": 3, "minute": 50}
